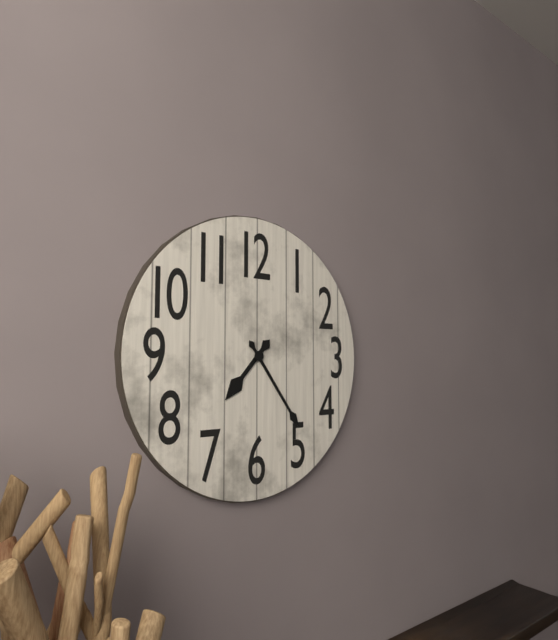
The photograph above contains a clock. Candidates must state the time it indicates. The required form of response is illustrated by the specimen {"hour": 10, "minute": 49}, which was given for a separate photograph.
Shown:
{"hour": 7, "minute": 24}
